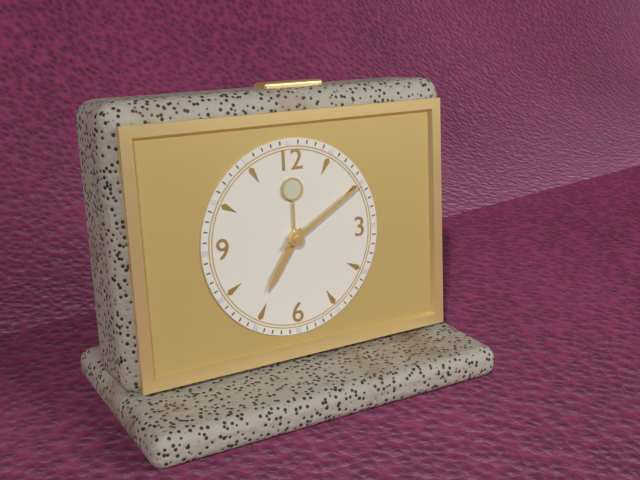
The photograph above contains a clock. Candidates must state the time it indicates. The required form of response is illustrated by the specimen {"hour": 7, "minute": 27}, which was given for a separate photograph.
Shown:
{"hour": 7, "minute": 10}
